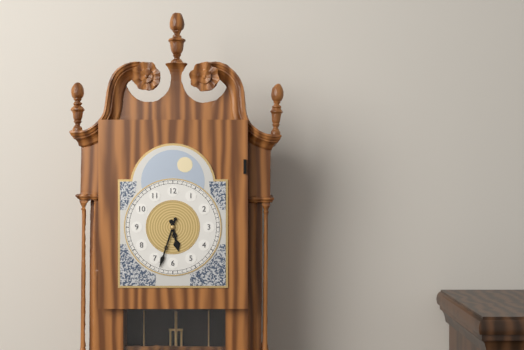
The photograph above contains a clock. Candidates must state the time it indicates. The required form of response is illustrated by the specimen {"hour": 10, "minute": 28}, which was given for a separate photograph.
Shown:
{"hour": 5, "minute": 33}
